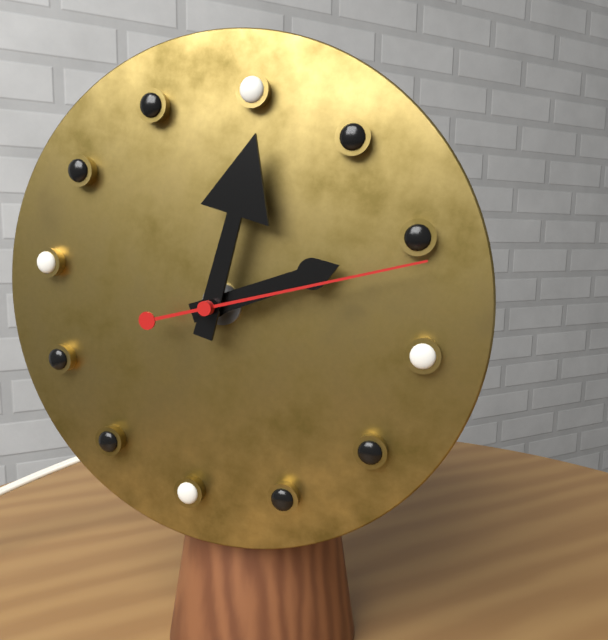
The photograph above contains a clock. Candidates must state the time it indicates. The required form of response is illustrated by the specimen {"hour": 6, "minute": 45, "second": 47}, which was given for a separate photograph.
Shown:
{"hour": 2, "minute": 1, "second": 11}
